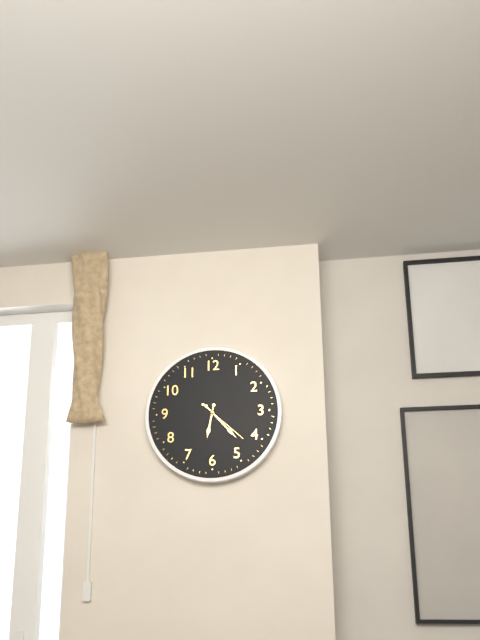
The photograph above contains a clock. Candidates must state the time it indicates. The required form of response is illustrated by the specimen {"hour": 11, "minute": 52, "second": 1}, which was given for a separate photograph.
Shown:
{"hour": 6, "minute": 23, "second": 22}
